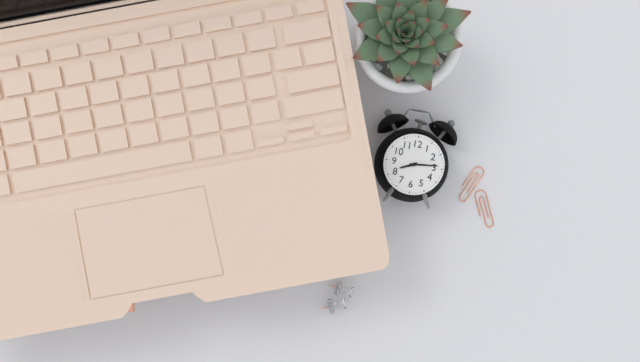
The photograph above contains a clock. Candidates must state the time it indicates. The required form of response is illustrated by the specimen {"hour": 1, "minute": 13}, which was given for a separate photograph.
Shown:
{"hour": 8, "minute": 14}
